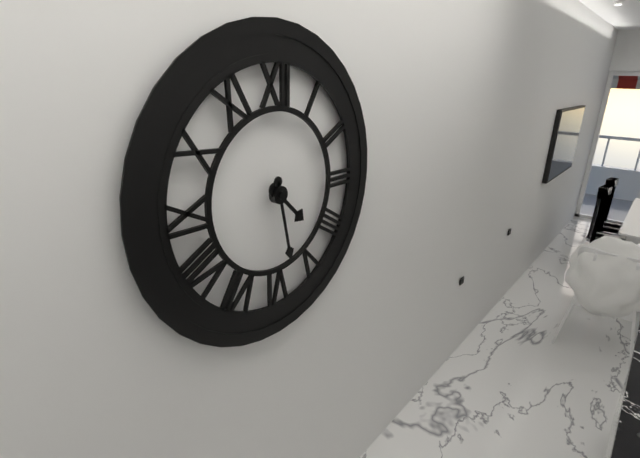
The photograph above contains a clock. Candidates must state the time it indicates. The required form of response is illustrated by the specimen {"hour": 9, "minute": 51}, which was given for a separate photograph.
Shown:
{"hour": 4, "minute": 28}
